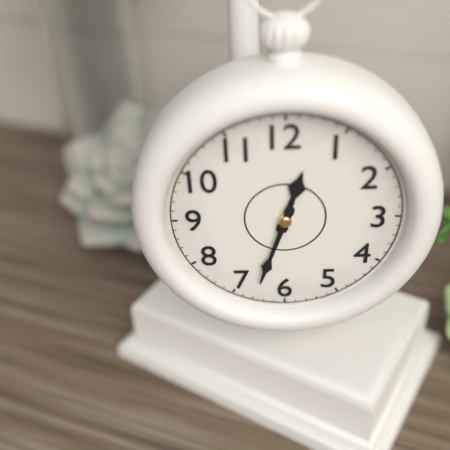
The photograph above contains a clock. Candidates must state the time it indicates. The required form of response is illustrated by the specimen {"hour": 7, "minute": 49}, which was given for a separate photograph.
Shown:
{"hour": 12, "minute": 33}
